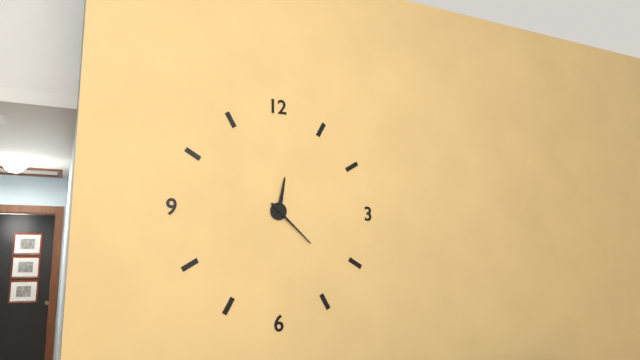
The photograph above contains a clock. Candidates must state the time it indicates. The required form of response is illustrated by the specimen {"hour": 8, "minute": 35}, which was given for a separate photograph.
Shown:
{"hour": 12, "minute": 22}
